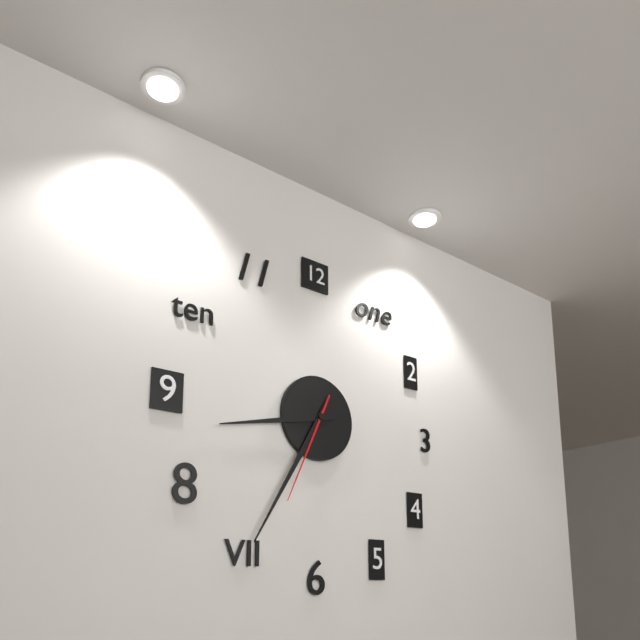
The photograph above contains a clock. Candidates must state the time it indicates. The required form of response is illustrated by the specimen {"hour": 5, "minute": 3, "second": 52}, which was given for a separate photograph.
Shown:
{"hour": 8, "minute": 35, "second": 34}
